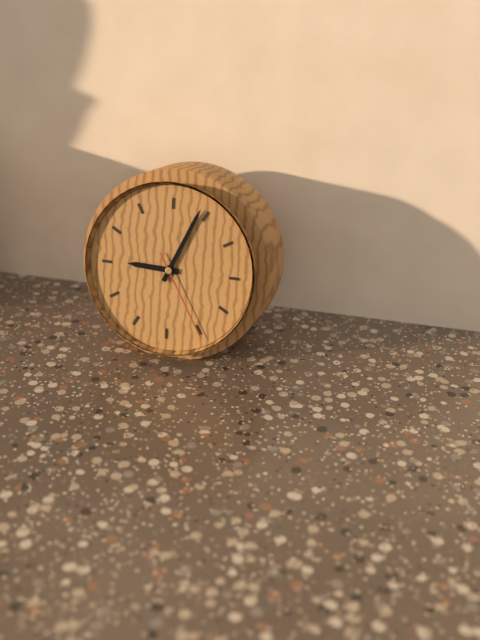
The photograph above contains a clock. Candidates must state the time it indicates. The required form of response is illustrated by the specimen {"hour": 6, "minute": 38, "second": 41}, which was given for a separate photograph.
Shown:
{"hour": 9, "minute": 4, "second": 25}
